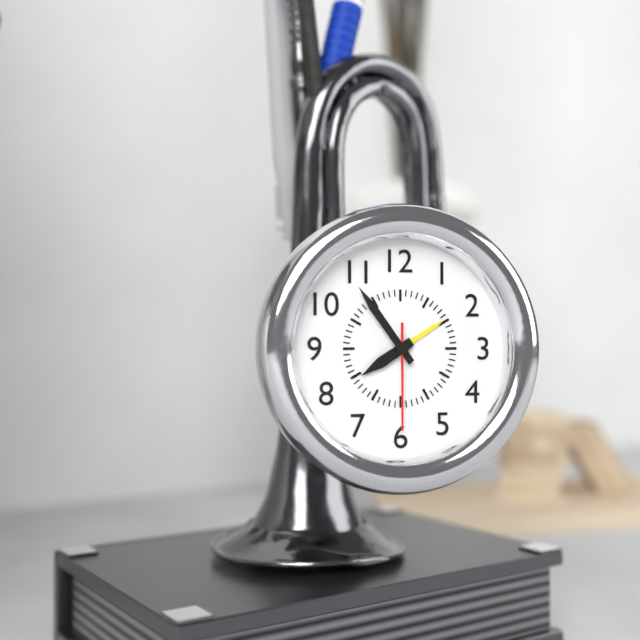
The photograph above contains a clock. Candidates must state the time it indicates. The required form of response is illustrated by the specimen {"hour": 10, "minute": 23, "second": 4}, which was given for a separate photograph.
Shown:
{"hour": 7, "minute": 54, "second": 30}
